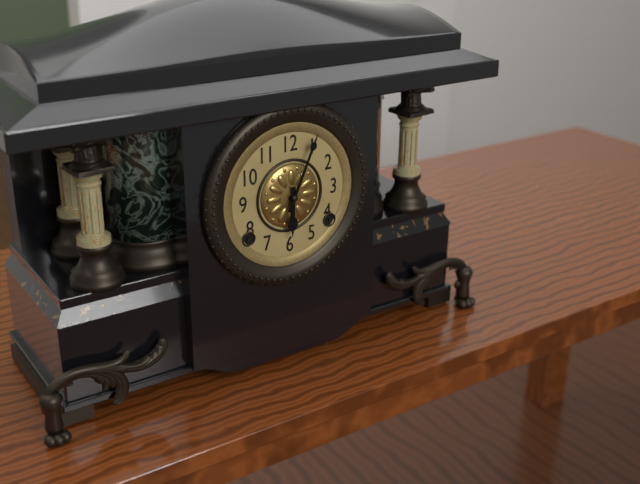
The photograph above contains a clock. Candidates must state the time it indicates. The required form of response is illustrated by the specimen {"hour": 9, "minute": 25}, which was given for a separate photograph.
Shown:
{"hour": 6, "minute": 4}
